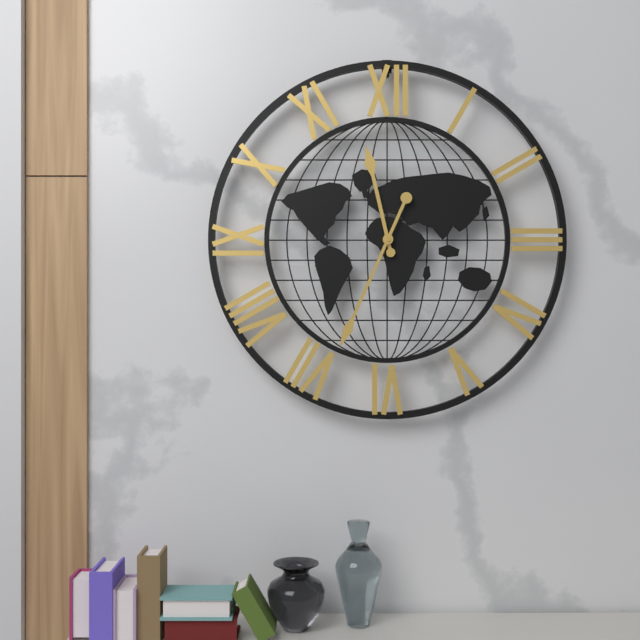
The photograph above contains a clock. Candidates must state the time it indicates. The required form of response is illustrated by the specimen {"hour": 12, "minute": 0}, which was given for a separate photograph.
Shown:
{"hour": 11, "minute": 34}
